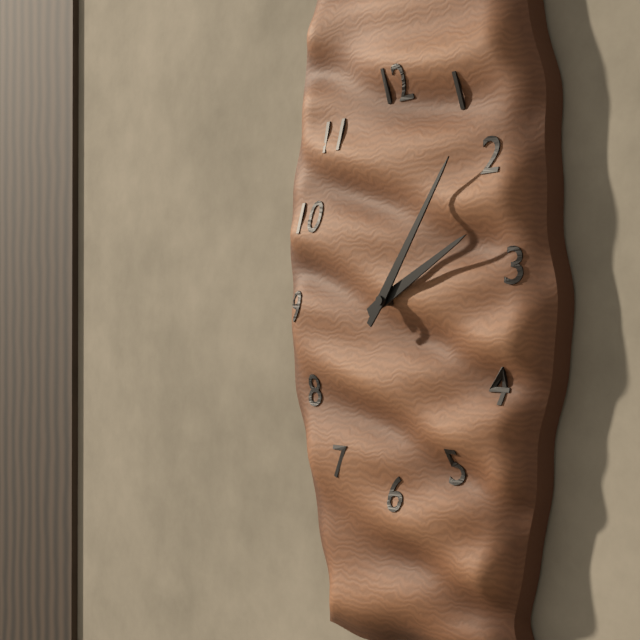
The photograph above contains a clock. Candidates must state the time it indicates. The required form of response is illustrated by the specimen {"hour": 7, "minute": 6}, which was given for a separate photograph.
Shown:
{"hour": 2, "minute": 6}
